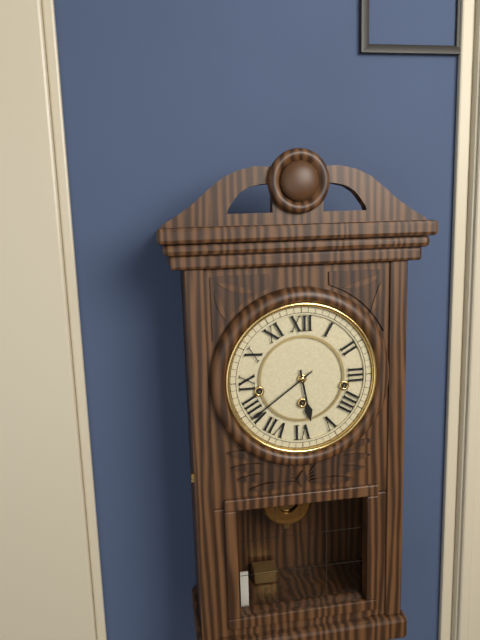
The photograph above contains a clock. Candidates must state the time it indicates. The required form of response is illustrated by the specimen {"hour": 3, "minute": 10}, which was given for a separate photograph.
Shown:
{"hour": 5, "minute": 39}
